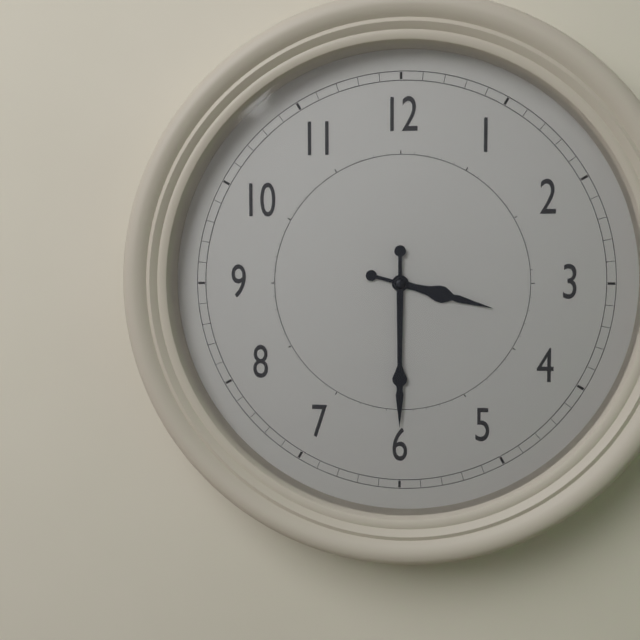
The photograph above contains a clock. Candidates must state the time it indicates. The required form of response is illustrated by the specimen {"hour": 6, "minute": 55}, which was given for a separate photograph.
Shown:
{"hour": 3, "minute": 30}
